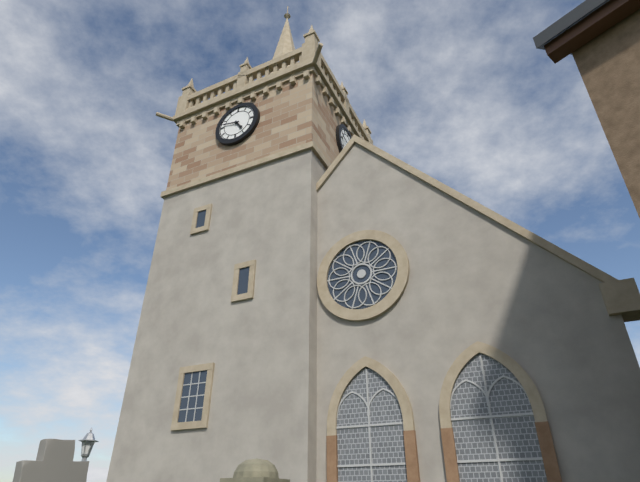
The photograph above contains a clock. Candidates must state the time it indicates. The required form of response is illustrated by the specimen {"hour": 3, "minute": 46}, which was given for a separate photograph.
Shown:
{"hour": 4, "minute": 47}
